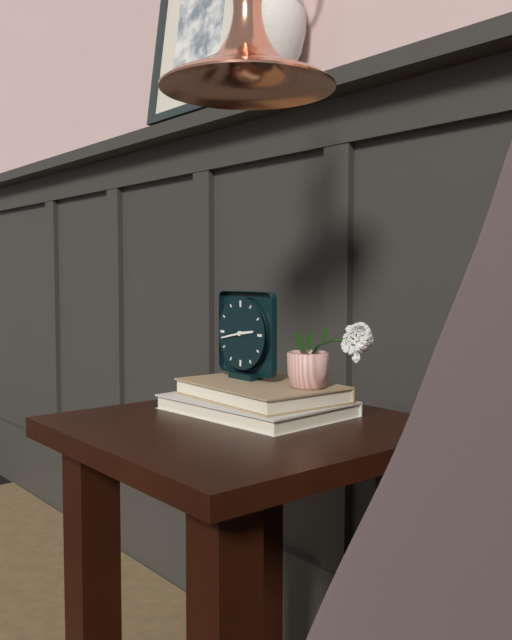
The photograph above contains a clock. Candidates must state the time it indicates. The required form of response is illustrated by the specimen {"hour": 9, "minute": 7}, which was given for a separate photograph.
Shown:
{"hour": 2, "minute": 43}
